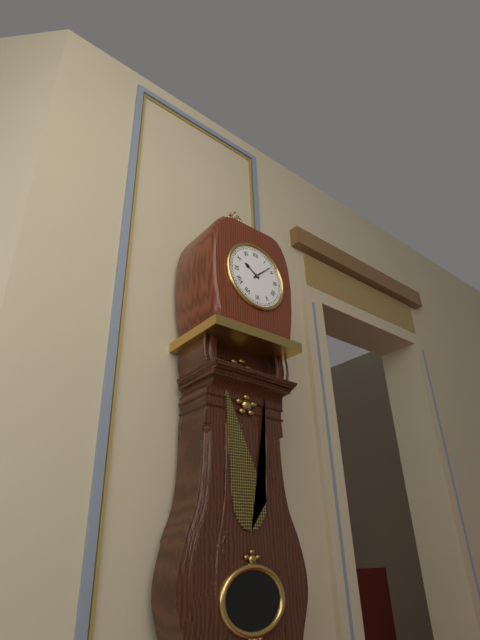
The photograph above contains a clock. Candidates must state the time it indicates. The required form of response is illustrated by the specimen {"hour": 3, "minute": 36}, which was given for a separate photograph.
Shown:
{"hour": 10, "minute": 8}
